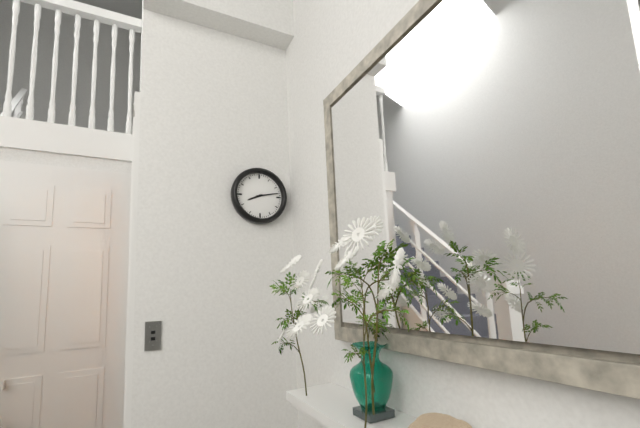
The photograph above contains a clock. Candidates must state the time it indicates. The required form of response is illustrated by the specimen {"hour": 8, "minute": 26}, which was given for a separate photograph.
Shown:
{"hour": 8, "minute": 13}
